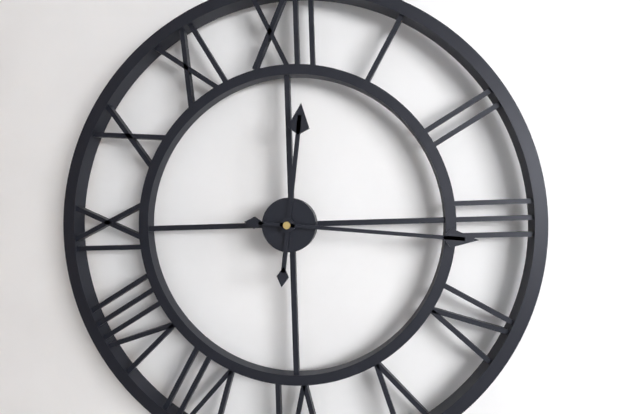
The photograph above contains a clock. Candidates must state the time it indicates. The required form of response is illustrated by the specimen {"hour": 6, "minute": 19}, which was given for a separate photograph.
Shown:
{"hour": 12, "minute": 16}
